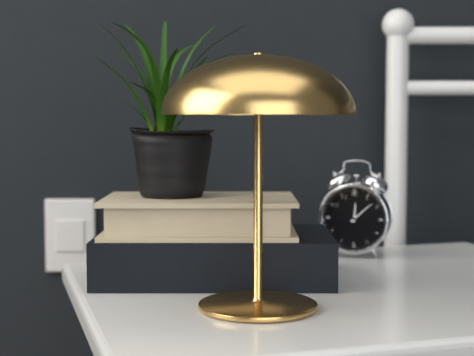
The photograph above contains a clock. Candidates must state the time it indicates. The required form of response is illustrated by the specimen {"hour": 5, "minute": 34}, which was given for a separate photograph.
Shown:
{"hour": 12, "minute": 8}
